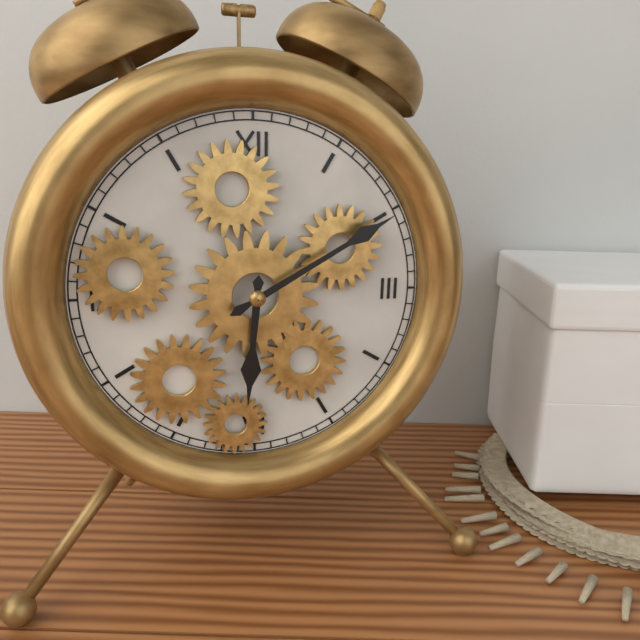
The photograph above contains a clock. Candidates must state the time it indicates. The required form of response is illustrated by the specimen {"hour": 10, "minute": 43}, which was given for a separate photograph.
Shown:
{"hour": 6, "minute": 10}
